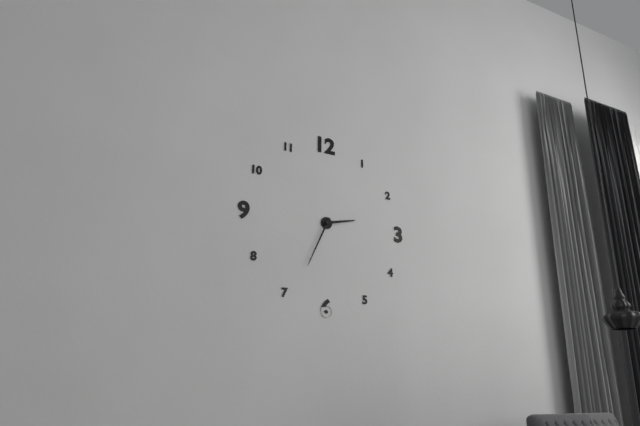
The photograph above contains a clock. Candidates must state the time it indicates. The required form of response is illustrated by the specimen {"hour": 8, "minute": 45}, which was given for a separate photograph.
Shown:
{"hour": 2, "minute": 34}
